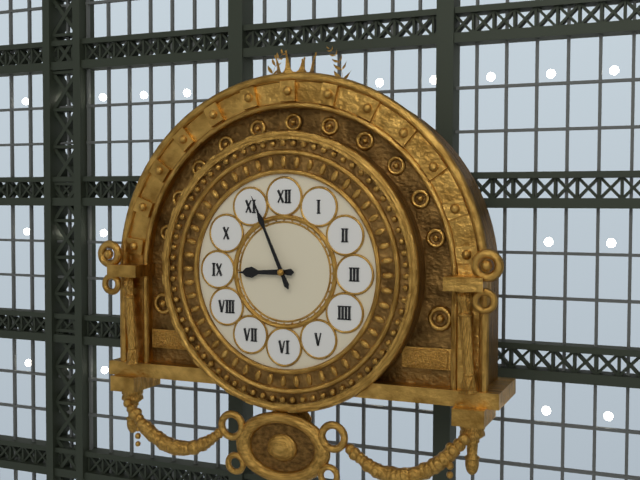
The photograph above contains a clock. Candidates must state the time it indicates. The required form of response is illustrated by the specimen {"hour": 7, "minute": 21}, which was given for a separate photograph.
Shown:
{"hour": 8, "minute": 56}
